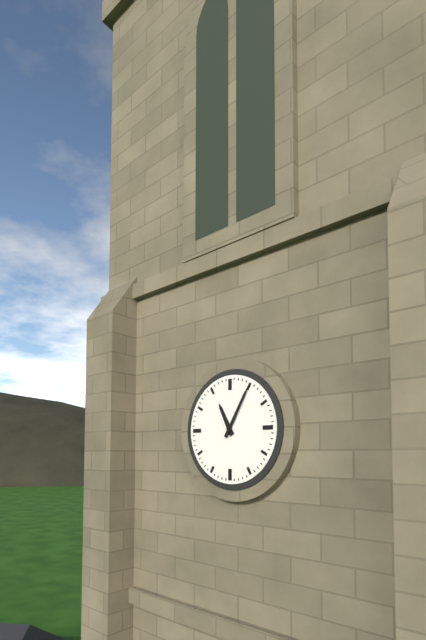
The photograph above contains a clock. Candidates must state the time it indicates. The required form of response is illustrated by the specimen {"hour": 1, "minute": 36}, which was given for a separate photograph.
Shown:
{"hour": 11, "minute": 5}
